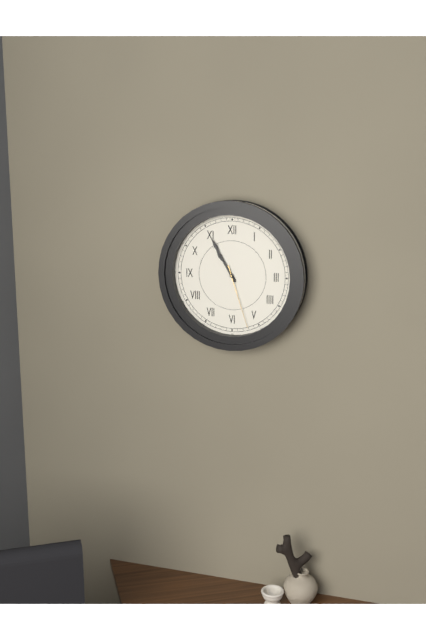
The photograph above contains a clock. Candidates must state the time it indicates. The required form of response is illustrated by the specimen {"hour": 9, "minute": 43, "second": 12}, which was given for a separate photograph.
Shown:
{"hour": 10, "minute": 55, "second": 27}
